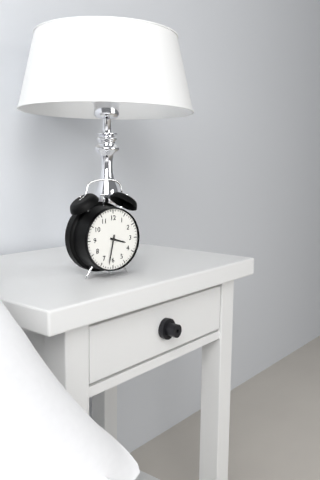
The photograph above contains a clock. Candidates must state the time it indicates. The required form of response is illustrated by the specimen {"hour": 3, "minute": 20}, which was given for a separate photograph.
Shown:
{"hour": 3, "minute": 32}
